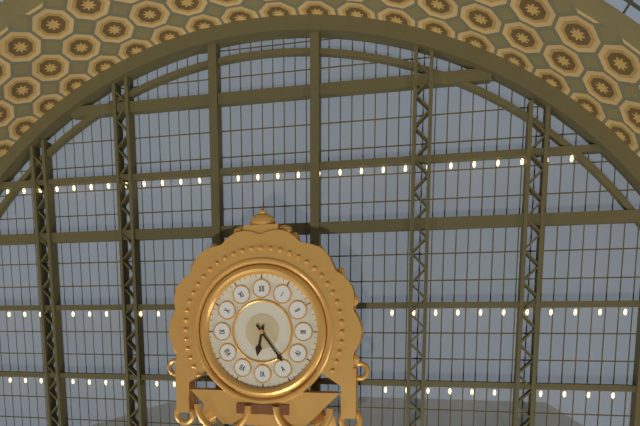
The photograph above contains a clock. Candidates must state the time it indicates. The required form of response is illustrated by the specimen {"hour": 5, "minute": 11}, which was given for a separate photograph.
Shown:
{"hour": 6, "minute": 24}
